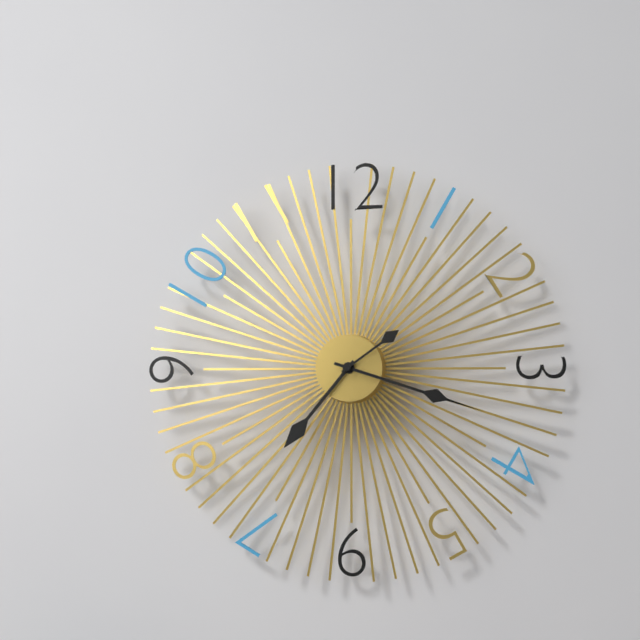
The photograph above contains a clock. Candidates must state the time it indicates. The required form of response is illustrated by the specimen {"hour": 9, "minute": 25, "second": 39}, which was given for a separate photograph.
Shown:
{"hour": 7, "minute": 18, "second": 9}
